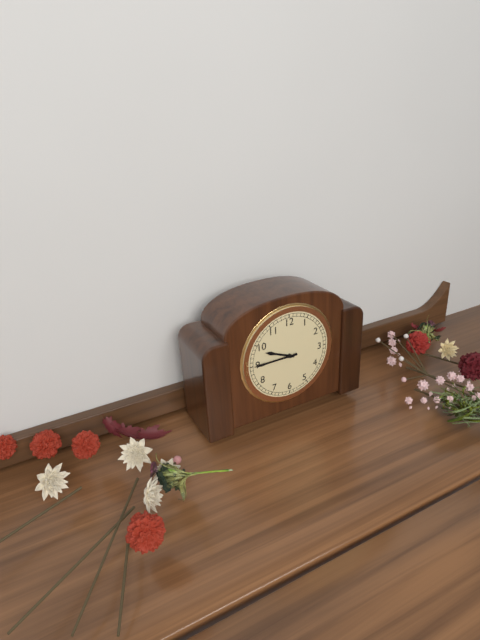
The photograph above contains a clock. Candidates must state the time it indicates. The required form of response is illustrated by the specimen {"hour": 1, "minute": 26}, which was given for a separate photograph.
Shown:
{"hour": 9, "minute": 45}
